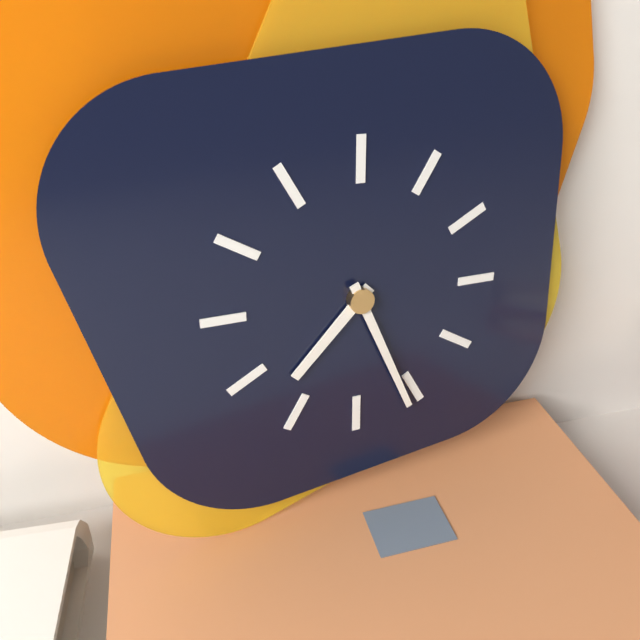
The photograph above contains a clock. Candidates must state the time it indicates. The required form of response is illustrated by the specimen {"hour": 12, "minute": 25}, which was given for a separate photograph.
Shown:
{"hour": 7, "minute": 26}
